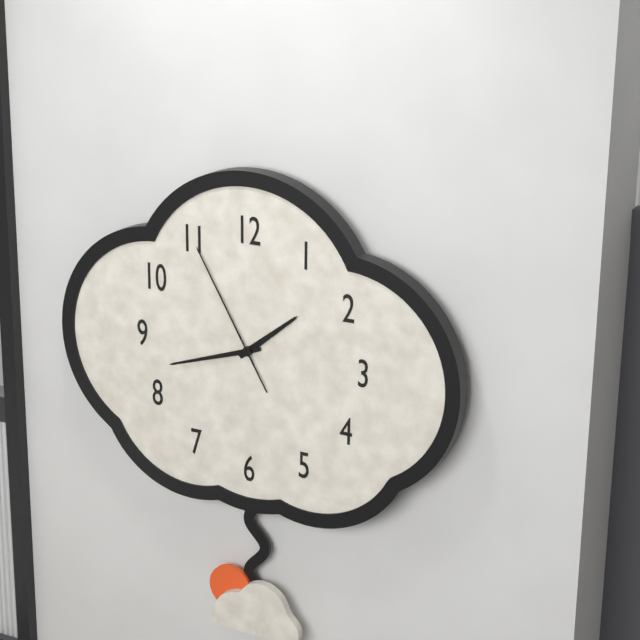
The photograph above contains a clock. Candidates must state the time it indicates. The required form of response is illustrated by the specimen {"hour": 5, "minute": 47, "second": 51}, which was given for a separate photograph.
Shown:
{"hour": 1, "minute": 42, "second": 55}
